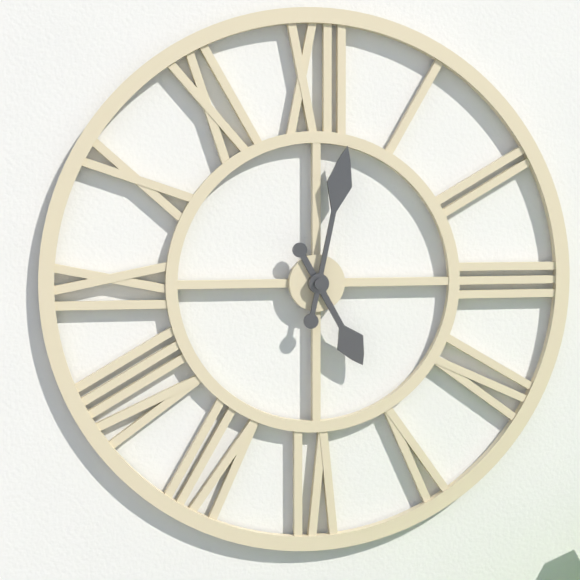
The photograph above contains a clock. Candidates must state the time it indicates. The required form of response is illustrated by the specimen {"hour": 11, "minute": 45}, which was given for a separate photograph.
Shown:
{"hour": 5, "minute": 2}
